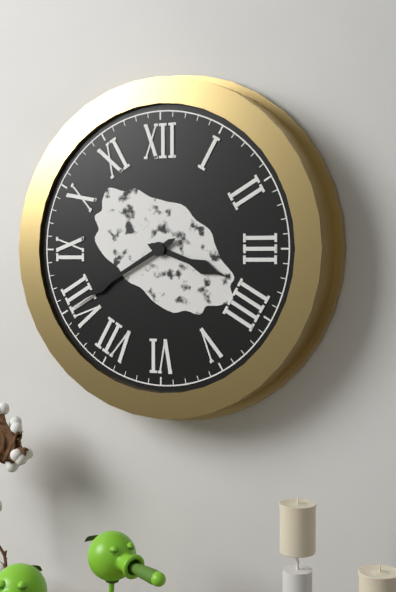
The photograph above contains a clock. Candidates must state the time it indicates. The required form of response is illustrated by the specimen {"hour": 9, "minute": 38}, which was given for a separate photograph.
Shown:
{"hour": 3, "minute": 40}
